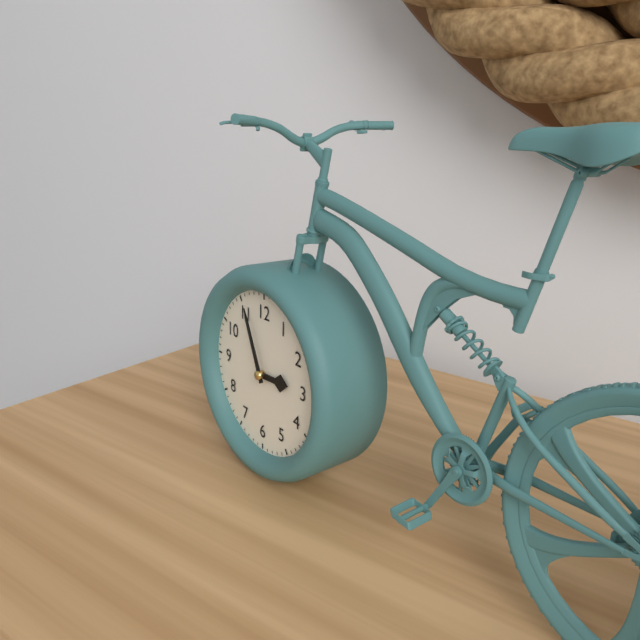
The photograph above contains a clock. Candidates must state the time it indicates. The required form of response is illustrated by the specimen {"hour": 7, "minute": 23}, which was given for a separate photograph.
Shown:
{"hour": 2, "minute": 56}
